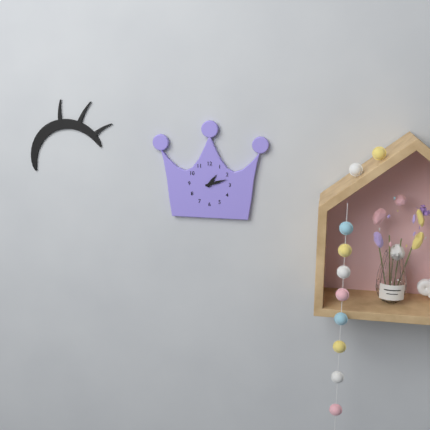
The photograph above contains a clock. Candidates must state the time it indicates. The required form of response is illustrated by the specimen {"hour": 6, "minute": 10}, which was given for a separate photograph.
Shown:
{"hour": 1, "minute": 12}
